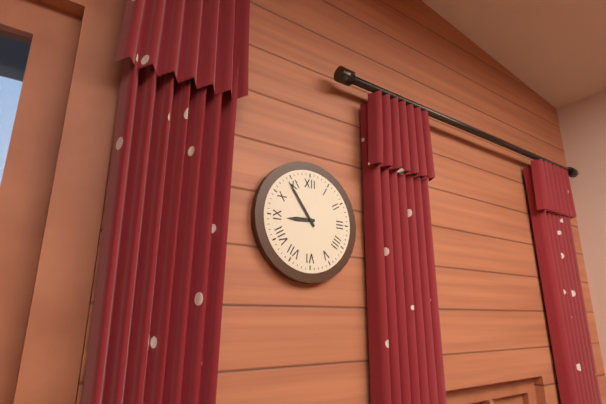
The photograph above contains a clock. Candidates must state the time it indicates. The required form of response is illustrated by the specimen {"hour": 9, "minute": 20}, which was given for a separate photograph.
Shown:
{"hour": 8, "minute": 54}
